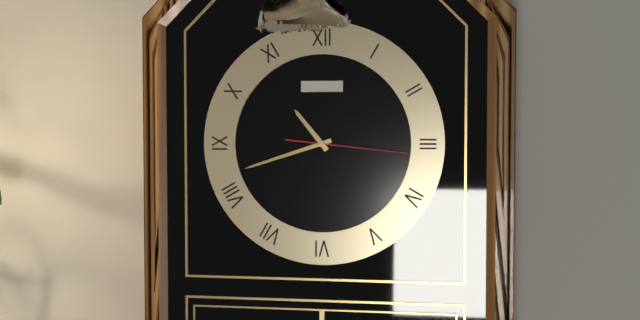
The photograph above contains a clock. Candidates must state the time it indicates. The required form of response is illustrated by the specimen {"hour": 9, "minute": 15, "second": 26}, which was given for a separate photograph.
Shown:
{"hour": 10, "minute": 42, "second": 16}
